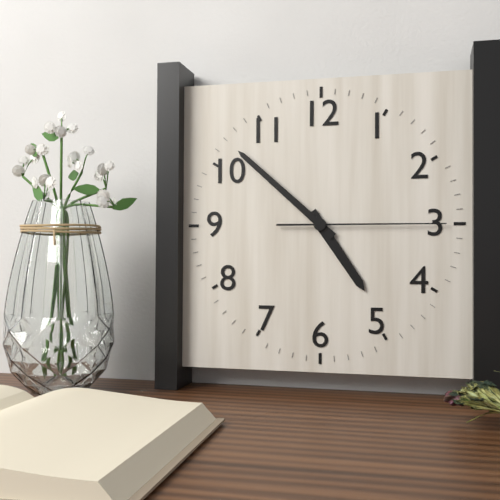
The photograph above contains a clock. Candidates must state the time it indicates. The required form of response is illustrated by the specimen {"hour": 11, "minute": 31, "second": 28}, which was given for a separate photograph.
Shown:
{"hour": 4, "minute": 52, "second": 15}
